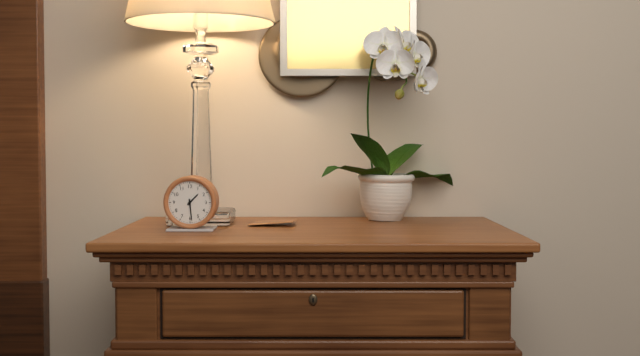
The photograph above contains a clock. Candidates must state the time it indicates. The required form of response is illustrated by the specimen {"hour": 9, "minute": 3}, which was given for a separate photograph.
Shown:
{"hour": 1, "minute": 29}
